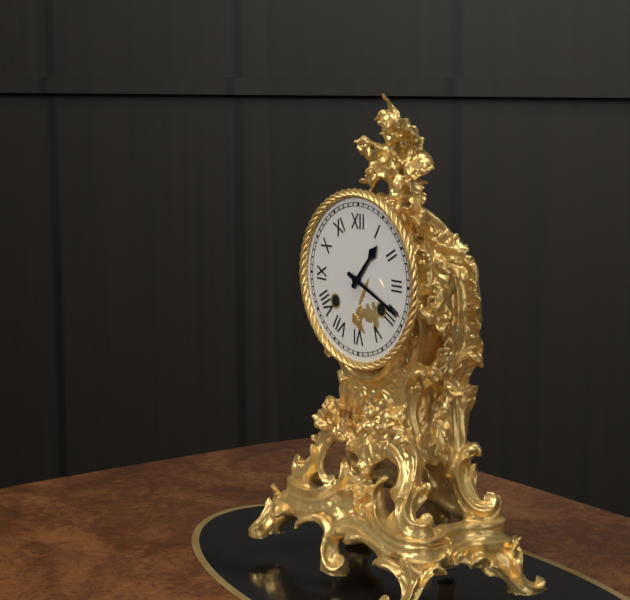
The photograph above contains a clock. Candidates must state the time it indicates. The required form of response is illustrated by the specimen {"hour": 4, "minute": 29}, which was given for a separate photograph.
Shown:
{"hour": 1, "minute": 19}
